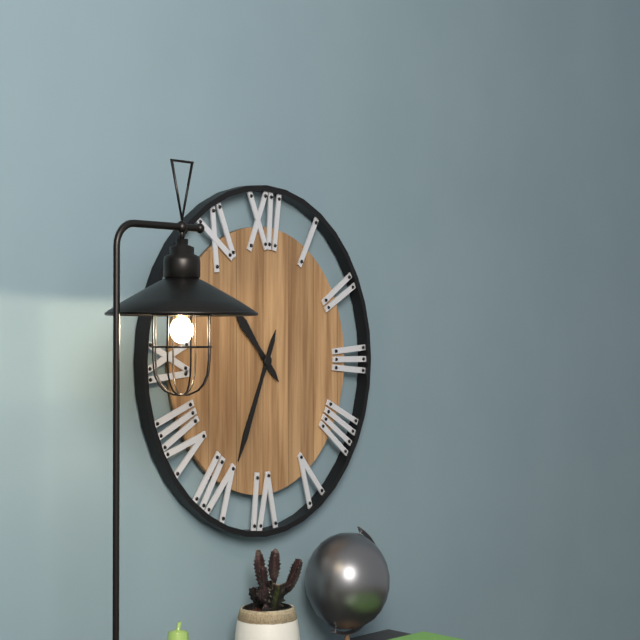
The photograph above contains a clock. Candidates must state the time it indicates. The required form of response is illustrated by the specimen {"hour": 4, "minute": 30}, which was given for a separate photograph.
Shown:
{"hour": 10, "minute": 34}
